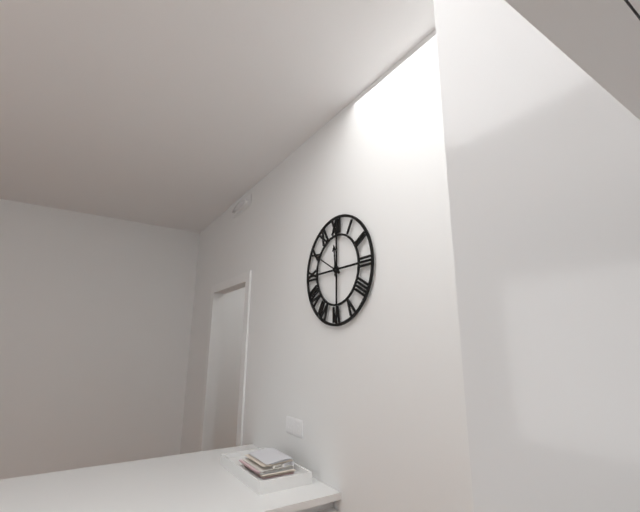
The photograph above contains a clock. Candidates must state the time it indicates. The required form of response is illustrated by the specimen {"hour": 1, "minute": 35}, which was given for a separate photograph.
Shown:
{"hour": 11, "minute": 50}
